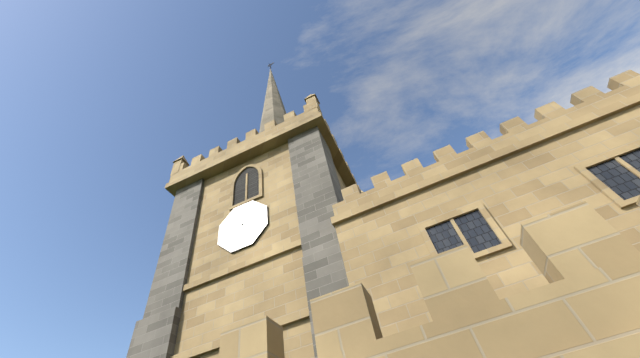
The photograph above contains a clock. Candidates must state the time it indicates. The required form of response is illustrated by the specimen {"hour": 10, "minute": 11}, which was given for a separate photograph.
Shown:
{"hour": 1, "minute": 58}
